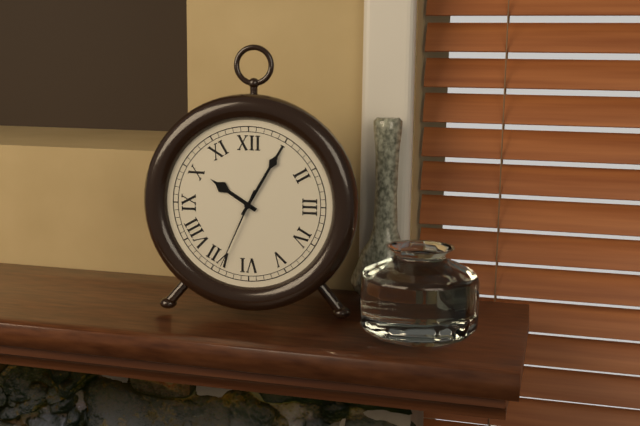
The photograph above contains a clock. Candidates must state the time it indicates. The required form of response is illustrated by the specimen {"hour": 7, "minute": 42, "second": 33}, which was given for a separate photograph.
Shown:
{"hour": 10, "minute": 5, "second": 34}
